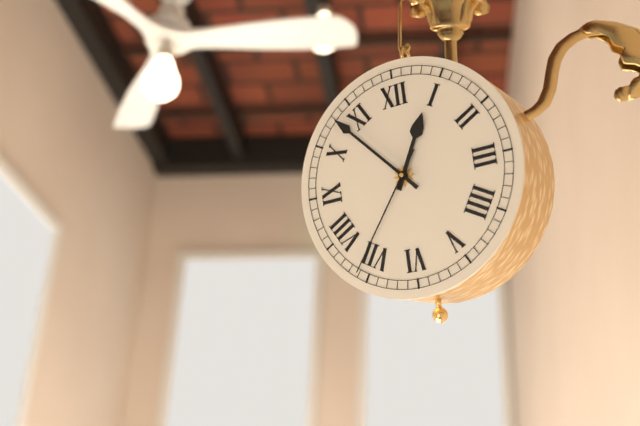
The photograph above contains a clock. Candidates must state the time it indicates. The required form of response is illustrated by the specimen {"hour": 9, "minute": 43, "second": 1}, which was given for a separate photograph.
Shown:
{"hour": 12, "minute": 53, "second": 36}
